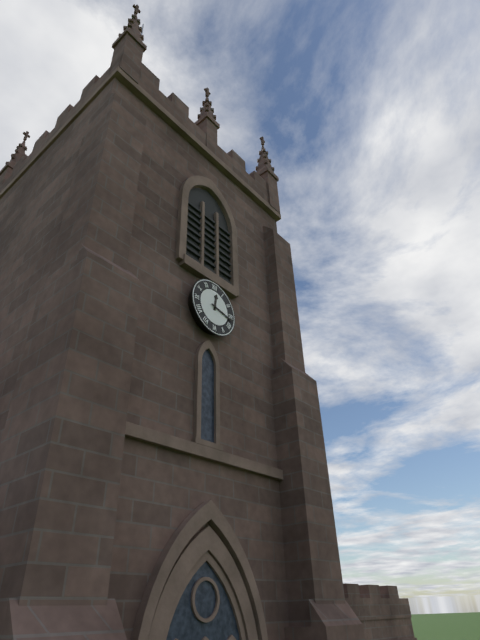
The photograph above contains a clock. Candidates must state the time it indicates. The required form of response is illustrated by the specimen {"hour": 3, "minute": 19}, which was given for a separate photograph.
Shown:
{"hour": 12, "minute": 17}
